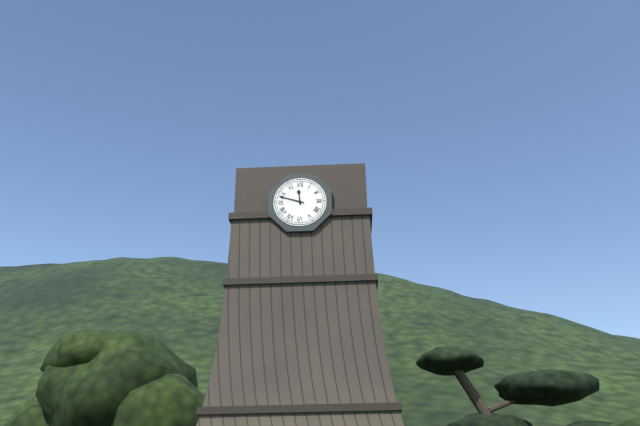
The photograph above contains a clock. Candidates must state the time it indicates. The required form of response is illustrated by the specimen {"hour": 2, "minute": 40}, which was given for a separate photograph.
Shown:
{"hour": 11, "minute": 48}
